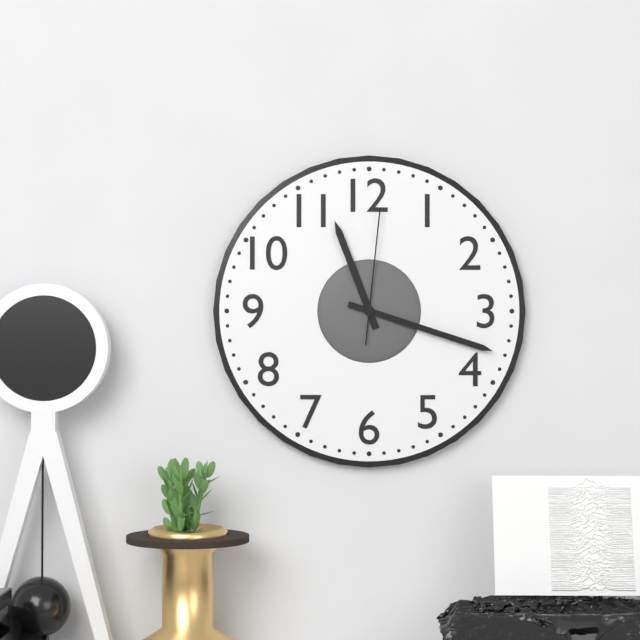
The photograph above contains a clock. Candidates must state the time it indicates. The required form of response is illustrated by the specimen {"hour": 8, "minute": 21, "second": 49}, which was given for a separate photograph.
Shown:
{"hour": 11, "minute": 18, "second": 1}
